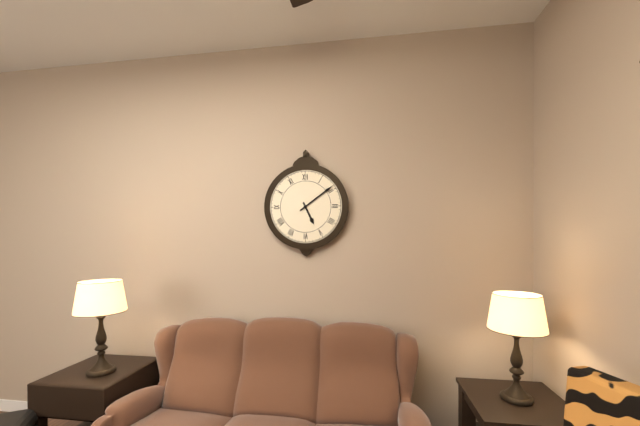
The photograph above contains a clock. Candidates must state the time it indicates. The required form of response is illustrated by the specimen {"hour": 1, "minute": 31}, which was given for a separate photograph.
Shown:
{"hour": 5, "minute": 9}
